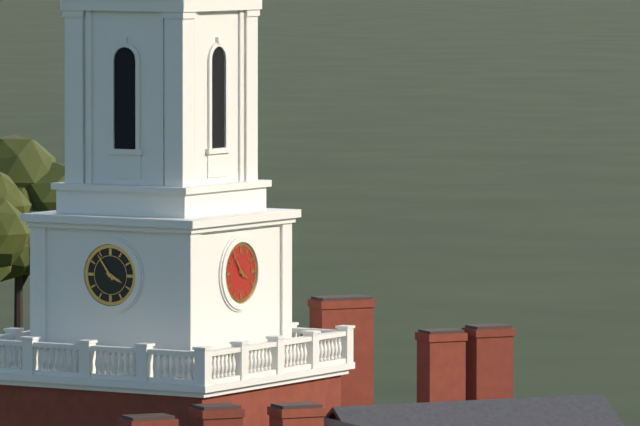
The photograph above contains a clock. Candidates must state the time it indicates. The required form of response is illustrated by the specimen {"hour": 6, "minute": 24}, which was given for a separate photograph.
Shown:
{"hour": 3, "minute": 54}
